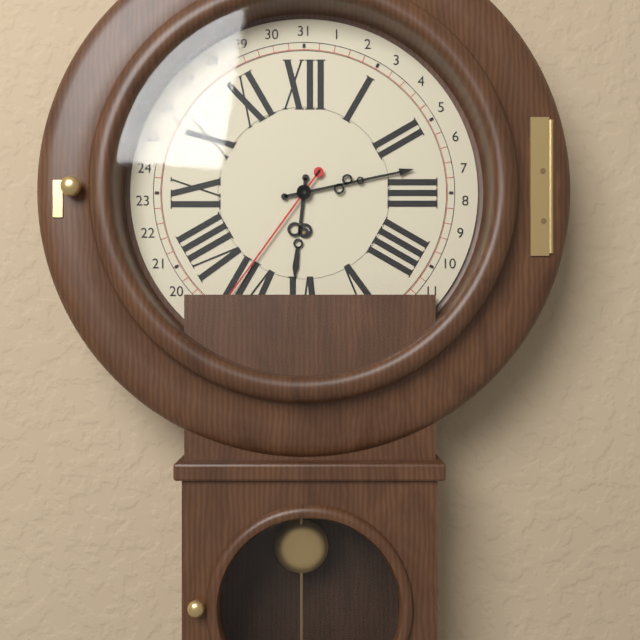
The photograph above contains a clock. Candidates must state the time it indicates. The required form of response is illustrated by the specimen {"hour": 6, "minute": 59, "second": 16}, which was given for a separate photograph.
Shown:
{"hour": 6, "minute": 13, "second": 36}
